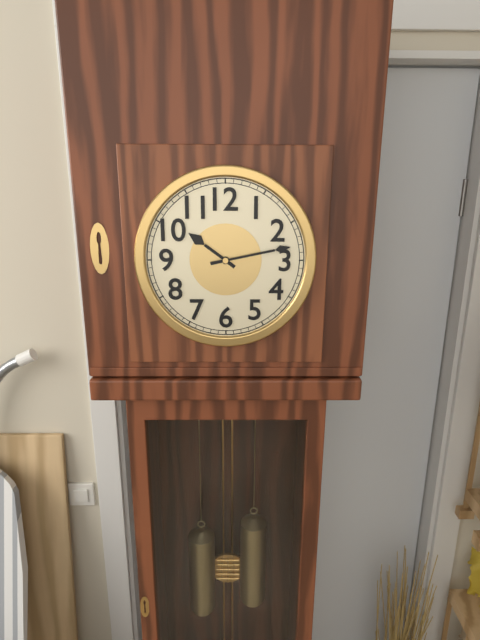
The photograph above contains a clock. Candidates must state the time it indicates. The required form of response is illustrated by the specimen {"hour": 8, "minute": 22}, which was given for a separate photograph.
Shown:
{"hour": 10, "minute": 13}
